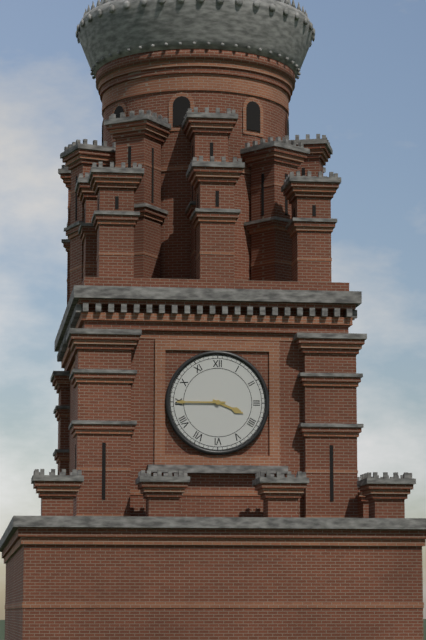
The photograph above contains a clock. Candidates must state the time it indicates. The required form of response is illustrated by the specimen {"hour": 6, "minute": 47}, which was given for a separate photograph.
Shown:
{"hour": 3, "minute": 45}
